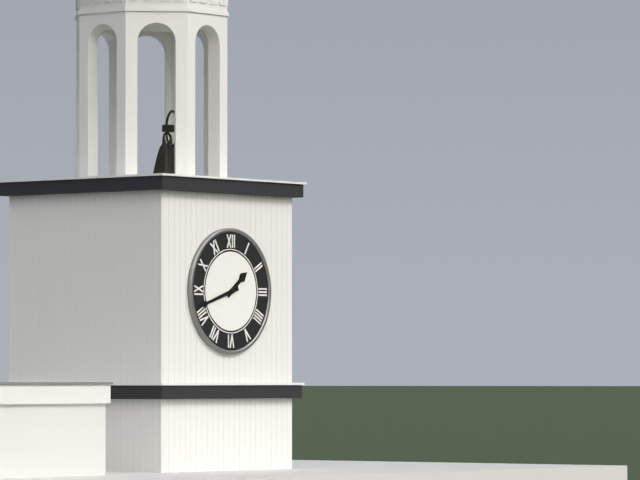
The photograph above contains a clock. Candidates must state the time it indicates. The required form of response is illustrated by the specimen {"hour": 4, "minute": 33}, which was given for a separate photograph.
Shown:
{"hour": 1, "minute": 42}
